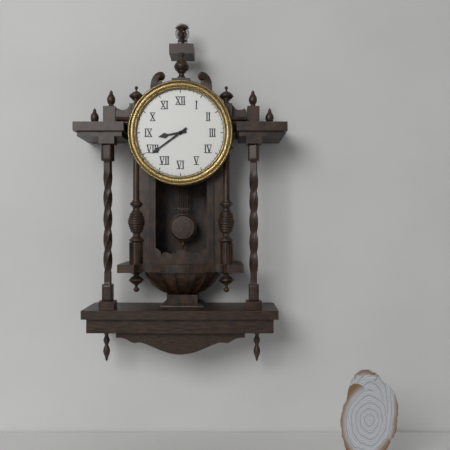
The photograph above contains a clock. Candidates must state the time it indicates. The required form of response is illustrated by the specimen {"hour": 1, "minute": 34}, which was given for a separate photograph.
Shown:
{"hour": 8, "minute": 39}
